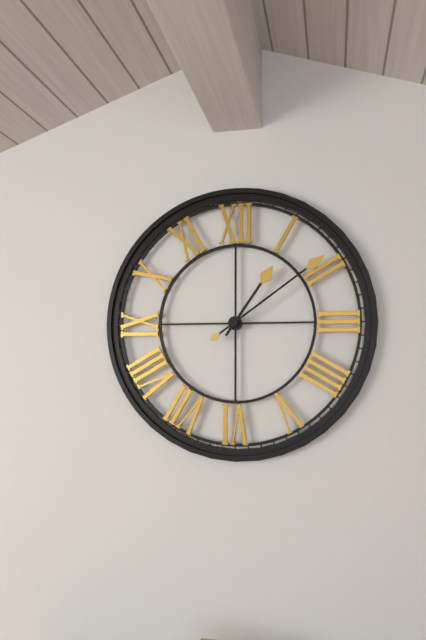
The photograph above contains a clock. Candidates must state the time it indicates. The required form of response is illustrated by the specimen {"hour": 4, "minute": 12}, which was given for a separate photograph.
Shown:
{"hour": 1, "minute": 9}
